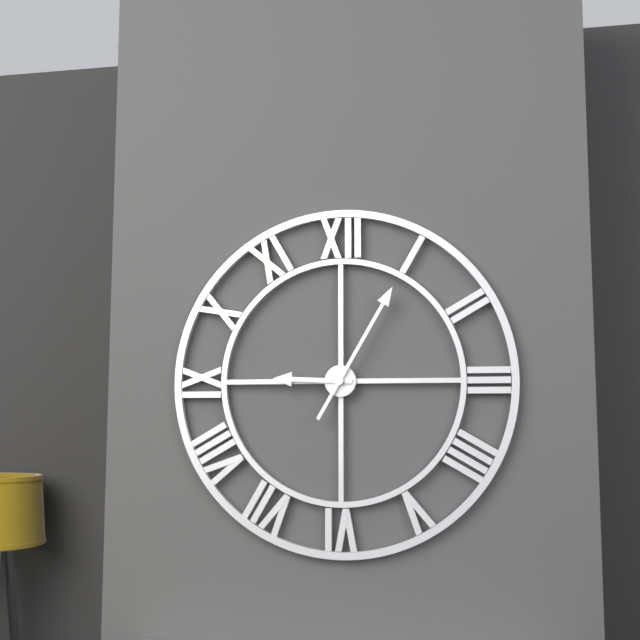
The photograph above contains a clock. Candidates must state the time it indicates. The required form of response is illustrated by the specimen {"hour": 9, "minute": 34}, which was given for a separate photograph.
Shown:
{"hour": 9, "minute": 5}
